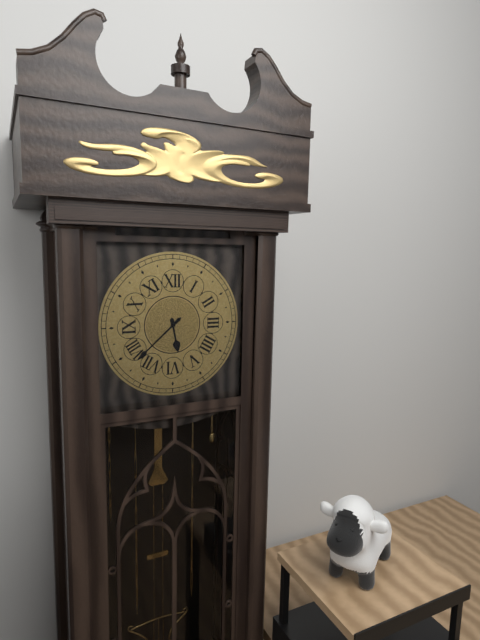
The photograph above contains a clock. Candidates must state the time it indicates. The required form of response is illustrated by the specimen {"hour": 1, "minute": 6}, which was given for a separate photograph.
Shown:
{"hour": 5, "minute": 38}
